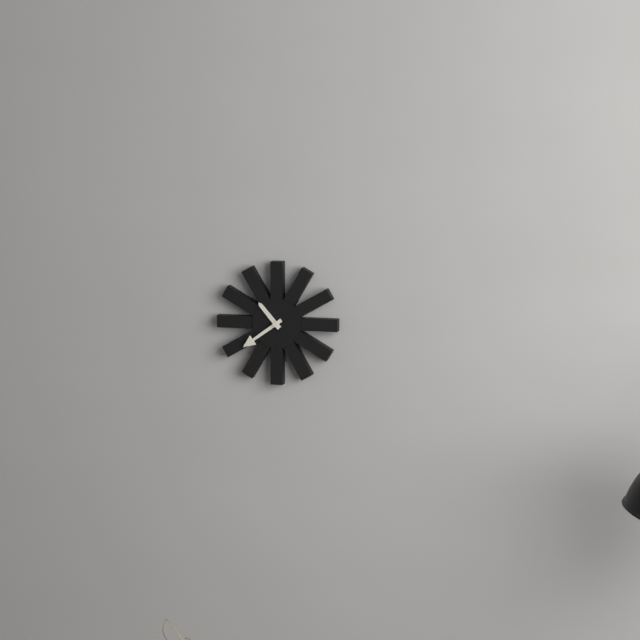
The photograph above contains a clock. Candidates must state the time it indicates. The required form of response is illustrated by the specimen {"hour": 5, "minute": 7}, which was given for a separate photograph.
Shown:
{"hour": 10, "minute": 39}
